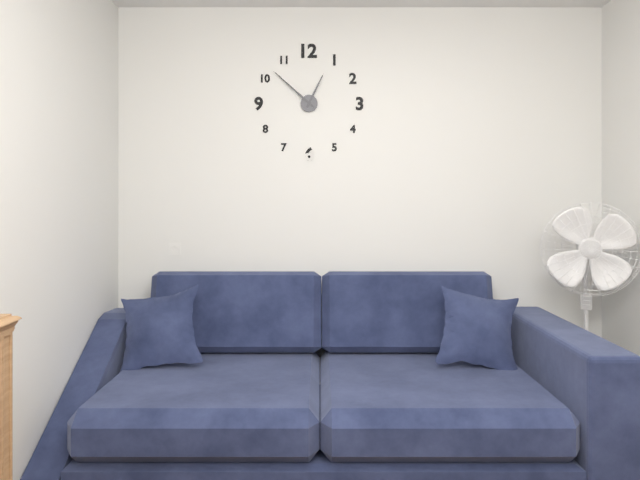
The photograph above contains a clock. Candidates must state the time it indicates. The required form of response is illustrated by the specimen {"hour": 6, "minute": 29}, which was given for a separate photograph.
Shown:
{"hour": 12, "minute": 52}
